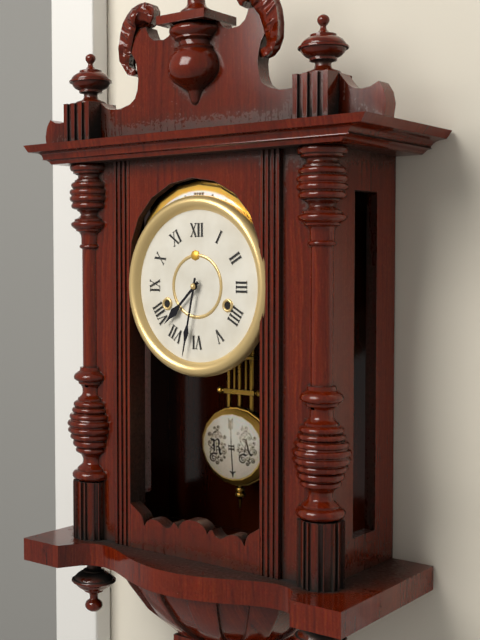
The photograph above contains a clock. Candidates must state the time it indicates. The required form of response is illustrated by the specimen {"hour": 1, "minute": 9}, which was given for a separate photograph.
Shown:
{"hour": 7, "minute": 32}
